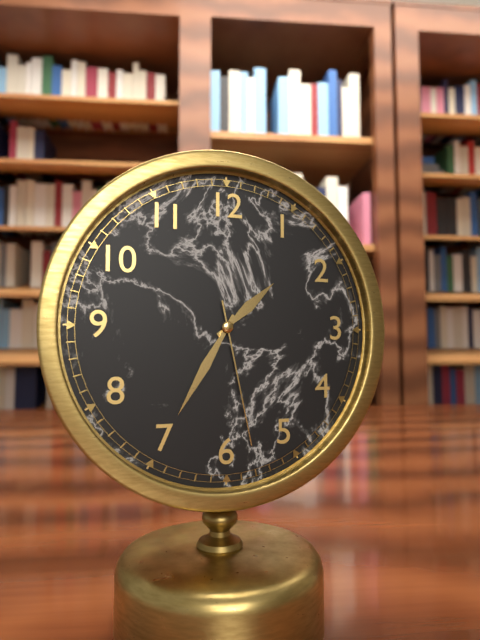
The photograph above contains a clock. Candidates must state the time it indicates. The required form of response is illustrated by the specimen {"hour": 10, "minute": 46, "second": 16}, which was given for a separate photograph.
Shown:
{"hour": 1, "minute": 35, "second": 28}
